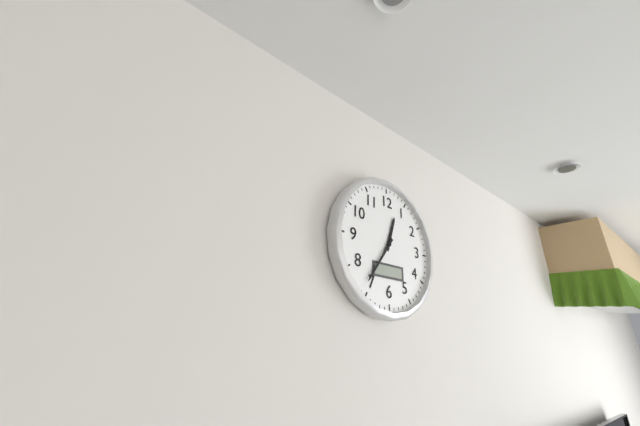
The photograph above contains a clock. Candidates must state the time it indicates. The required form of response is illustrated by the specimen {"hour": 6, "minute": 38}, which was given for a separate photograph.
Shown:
{"hour": 12, "minute": 36}
